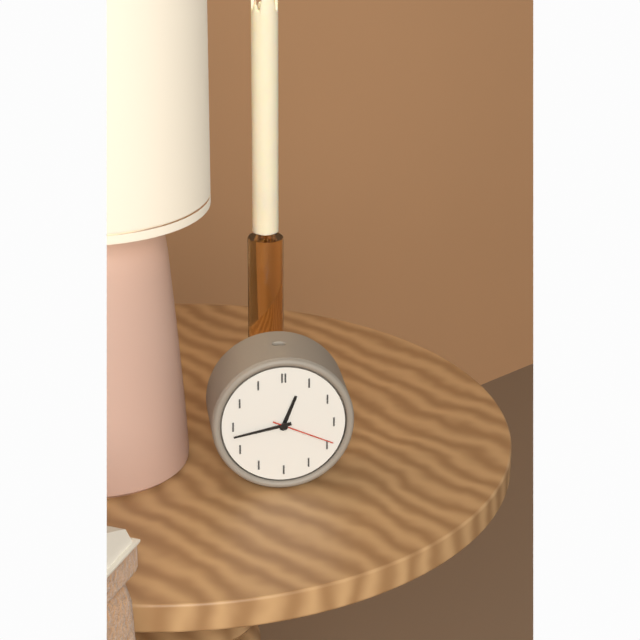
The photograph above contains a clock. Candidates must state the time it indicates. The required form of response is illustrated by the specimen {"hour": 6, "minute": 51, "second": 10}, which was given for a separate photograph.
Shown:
{"hour": 12, "minute": 43, "second": 19}
